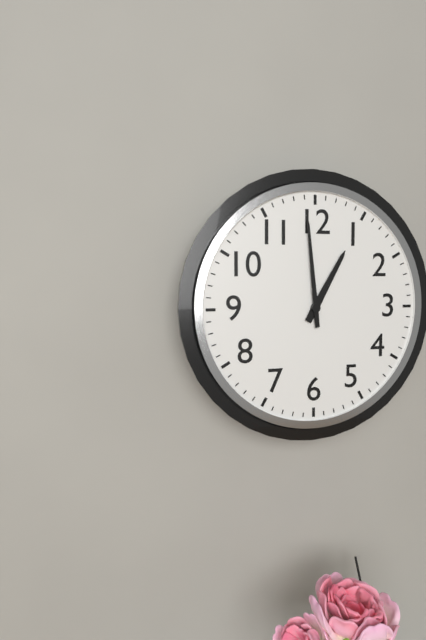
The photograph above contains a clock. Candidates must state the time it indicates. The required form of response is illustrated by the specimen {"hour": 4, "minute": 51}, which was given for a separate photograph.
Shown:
{"hour": 12, "minute": 59}
